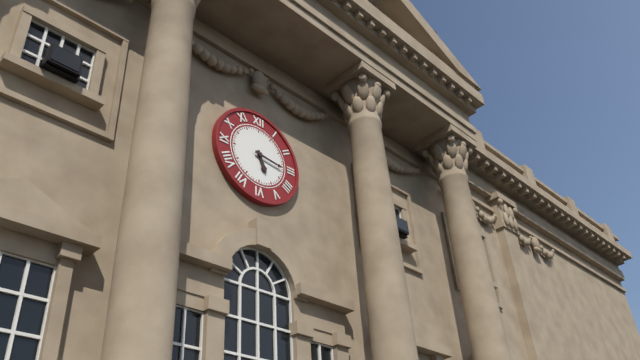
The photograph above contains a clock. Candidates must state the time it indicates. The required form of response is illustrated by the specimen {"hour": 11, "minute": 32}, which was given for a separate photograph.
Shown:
{"hour": 5, "minute": 16}
